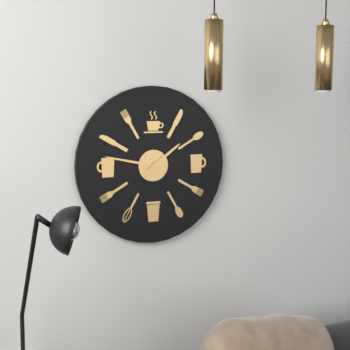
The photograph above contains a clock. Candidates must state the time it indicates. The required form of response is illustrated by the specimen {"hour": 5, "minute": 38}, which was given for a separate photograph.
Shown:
{"hour": 1, "minute": 47}
